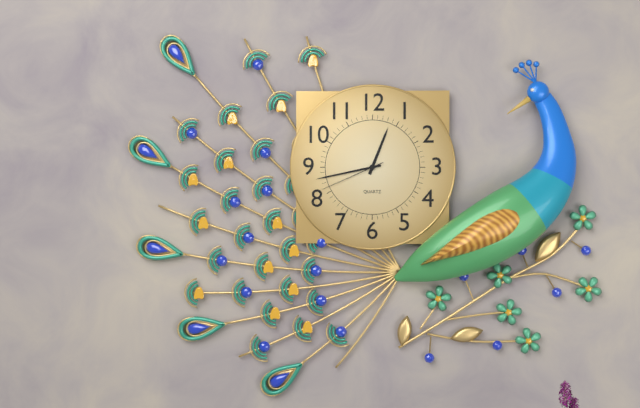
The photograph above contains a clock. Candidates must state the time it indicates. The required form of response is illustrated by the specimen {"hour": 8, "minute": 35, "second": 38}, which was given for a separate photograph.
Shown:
{"hour": 12, "minute": 43, "second": 41}
